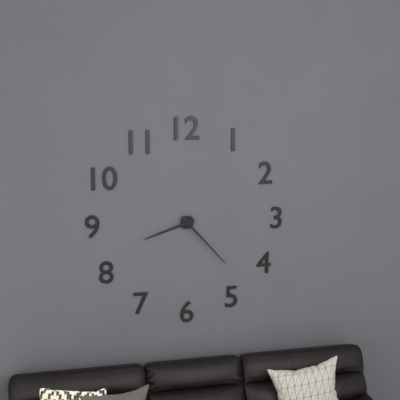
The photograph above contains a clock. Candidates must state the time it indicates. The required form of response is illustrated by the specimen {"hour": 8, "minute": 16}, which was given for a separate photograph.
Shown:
{"hour": 8, "minute": 23}
